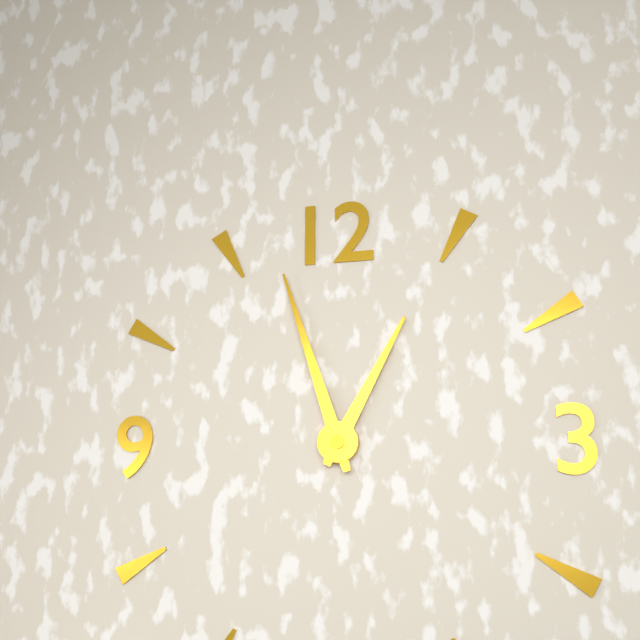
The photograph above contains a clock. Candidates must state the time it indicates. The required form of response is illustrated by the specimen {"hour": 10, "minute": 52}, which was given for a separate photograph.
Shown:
{"hour": 12, "minute": 57}
